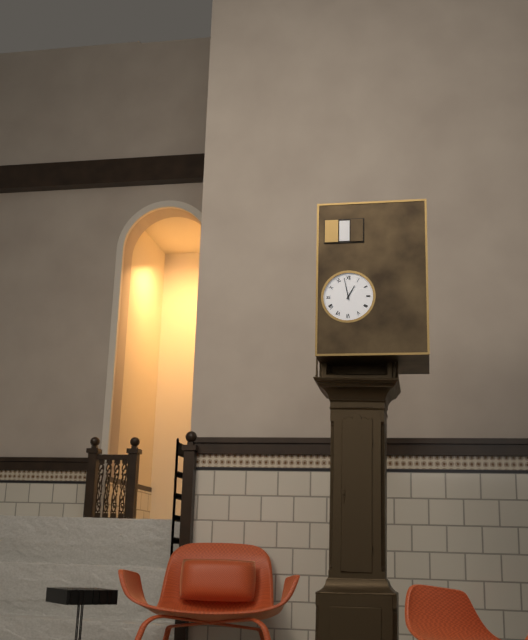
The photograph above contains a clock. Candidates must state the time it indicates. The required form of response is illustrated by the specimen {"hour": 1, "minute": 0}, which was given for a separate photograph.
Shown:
{"hour": 12, "minute": 58}
